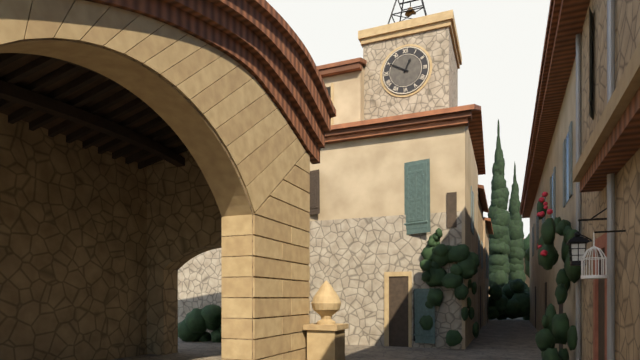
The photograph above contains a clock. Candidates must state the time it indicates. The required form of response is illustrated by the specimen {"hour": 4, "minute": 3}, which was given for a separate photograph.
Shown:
{"hour": 12, "minute": 50}
